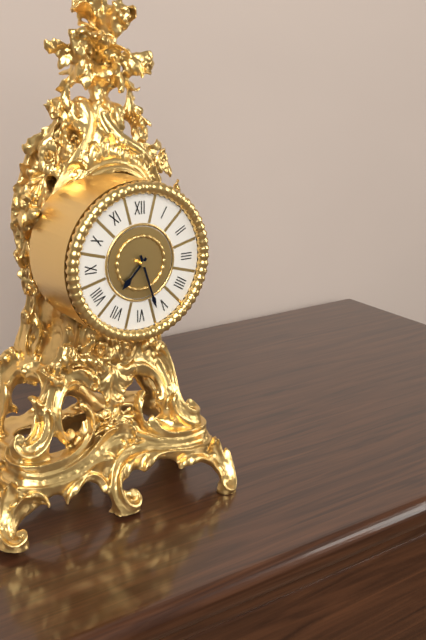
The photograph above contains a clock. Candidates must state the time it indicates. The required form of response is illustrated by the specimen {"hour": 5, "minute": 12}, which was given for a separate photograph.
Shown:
{"hour": 7, "minute": 27}
